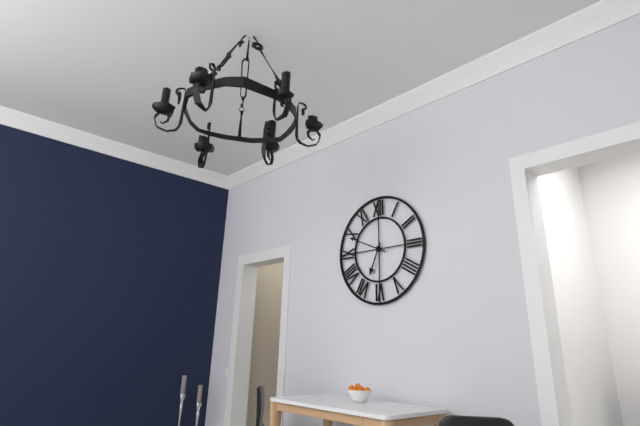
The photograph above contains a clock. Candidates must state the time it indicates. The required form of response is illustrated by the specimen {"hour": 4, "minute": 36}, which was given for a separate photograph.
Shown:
{"hour": 6, "minute": 49}
